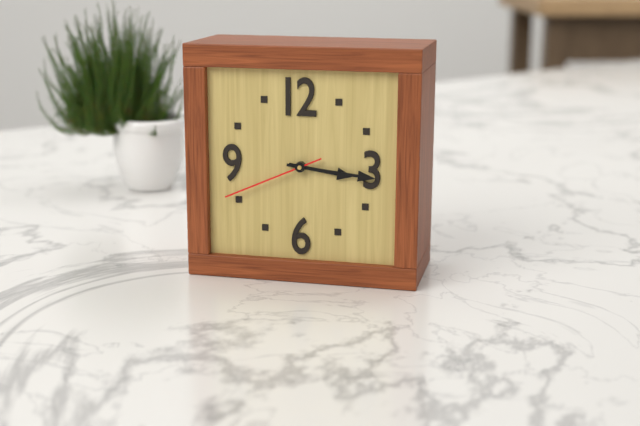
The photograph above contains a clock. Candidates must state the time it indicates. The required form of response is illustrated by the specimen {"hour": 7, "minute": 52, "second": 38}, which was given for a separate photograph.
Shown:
{"hour": 3, "minute": 16, "second": 41}
